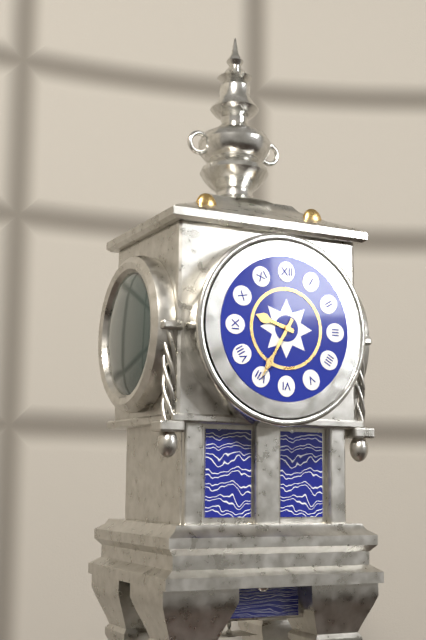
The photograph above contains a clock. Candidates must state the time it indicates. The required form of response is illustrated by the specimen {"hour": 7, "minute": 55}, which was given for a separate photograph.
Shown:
{"hour": 9, "minute": 35}
